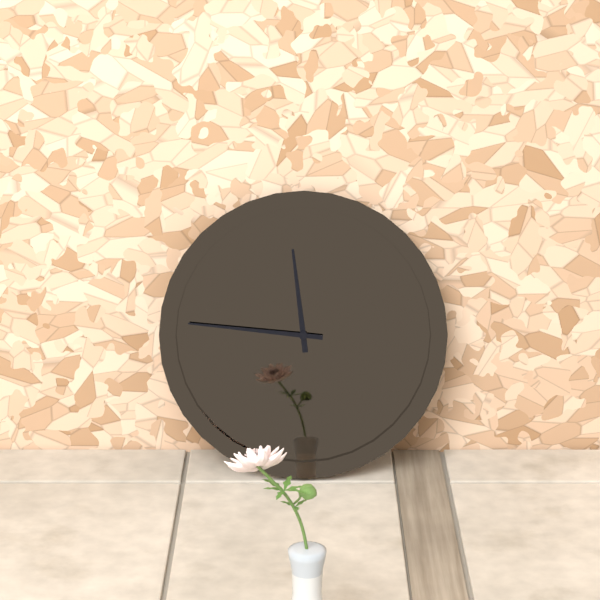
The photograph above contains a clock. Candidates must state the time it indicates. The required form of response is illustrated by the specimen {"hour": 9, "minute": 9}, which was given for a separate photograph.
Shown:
{"hour": 11, "minute": 46}
